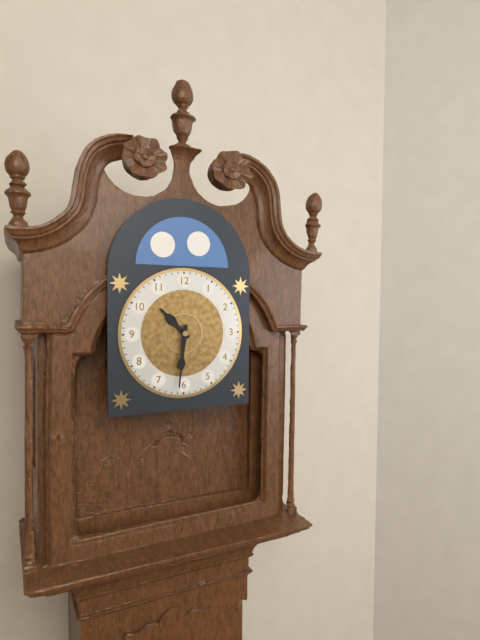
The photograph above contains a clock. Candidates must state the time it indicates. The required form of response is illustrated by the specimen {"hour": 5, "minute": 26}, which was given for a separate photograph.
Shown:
{"hour": 10, "minute": 31}
